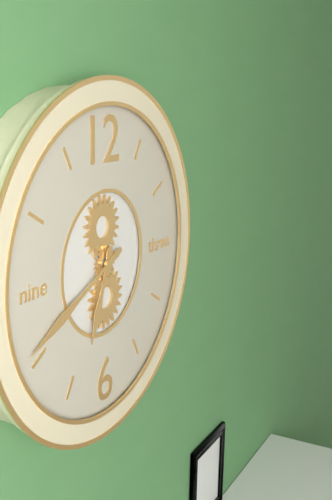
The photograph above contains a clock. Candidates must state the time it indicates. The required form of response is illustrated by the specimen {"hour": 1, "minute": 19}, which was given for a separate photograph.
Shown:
{"hour": 6, "minute": 41}
